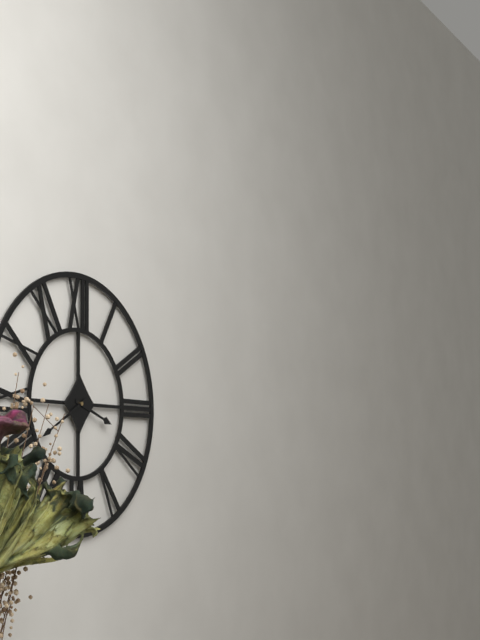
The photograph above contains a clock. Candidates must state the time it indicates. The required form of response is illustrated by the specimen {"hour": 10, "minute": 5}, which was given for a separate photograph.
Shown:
{"hour": 3, "minute": 40}
